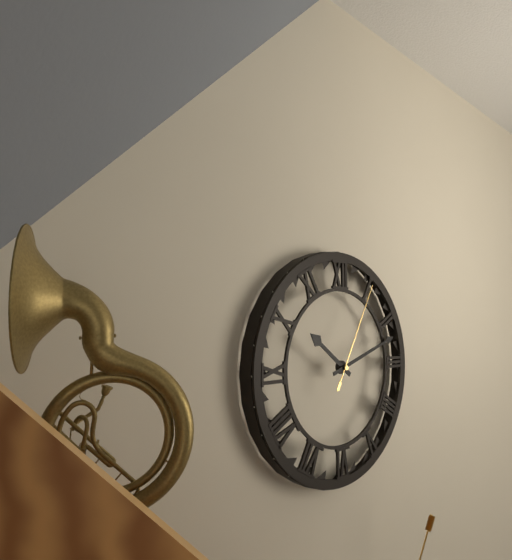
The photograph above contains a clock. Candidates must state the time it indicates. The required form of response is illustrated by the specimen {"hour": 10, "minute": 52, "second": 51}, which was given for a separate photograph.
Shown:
{"hour": 10, "minute": 12, "second": 5}
